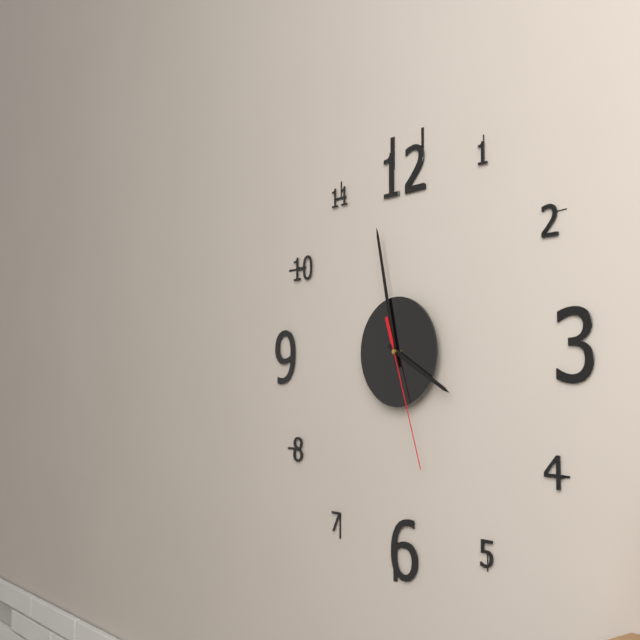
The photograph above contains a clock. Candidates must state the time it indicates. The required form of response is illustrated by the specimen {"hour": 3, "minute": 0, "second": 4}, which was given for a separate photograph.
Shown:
{"hour": 3, "minute": 58, "second": 27}
